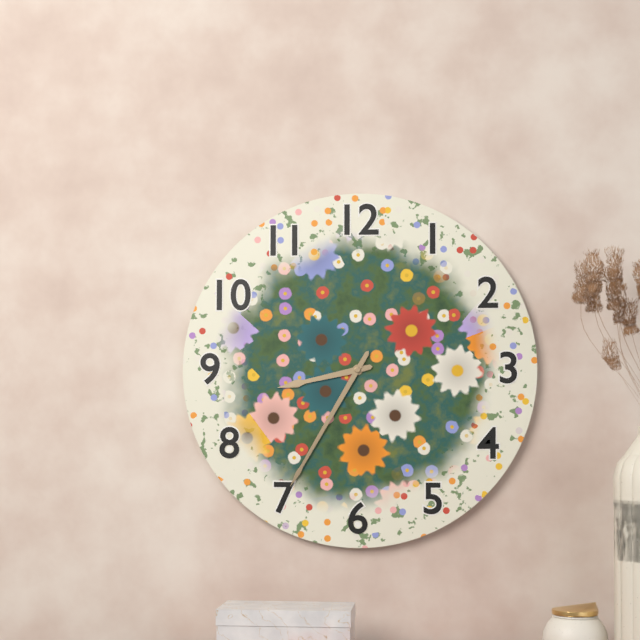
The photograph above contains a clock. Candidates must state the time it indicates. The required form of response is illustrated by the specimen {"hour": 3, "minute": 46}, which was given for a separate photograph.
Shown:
{"hour": 8, "minute": 35}
